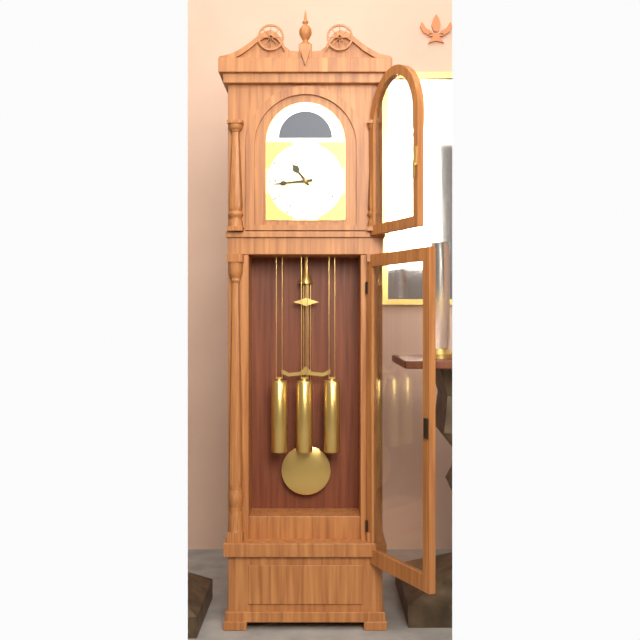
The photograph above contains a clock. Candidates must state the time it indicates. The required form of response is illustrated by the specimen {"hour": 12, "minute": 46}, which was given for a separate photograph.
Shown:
{"hour": 10, "minute": 44}
